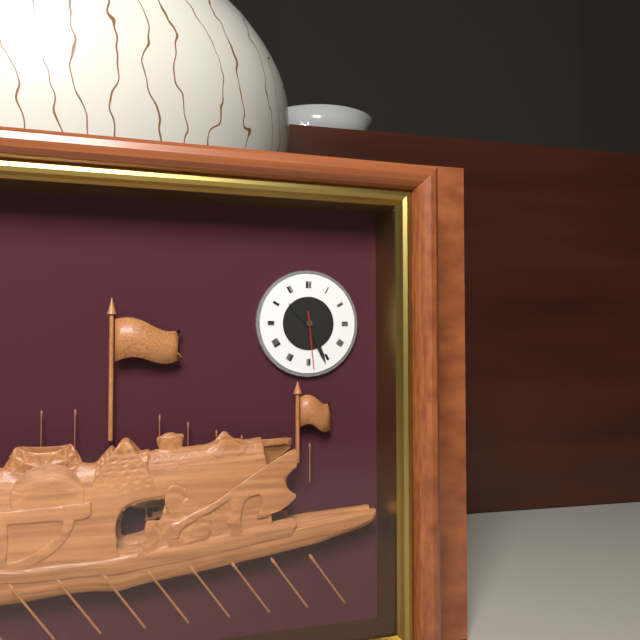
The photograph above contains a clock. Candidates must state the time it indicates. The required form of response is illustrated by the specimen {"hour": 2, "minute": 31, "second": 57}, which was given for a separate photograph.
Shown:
{"hour": 10, "minute": 26, "second": 29}
